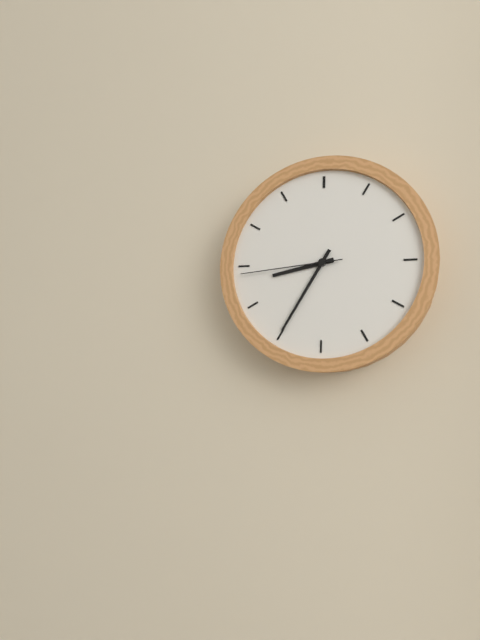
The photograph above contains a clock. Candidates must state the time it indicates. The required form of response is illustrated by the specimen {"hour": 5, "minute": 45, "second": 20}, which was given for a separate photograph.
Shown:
{"hour": 8, "minute": 35, "second": 44}
